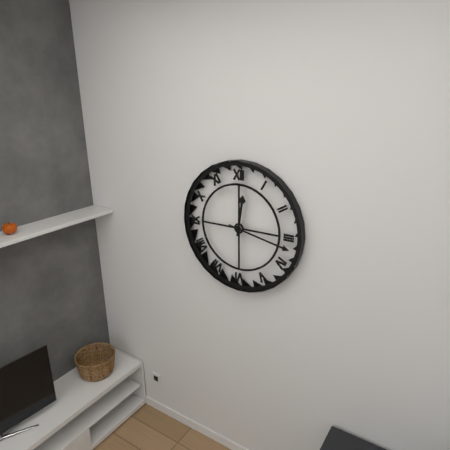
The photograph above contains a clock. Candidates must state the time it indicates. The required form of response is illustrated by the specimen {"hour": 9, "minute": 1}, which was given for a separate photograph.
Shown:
{"hour": 12, "minute": 17}
